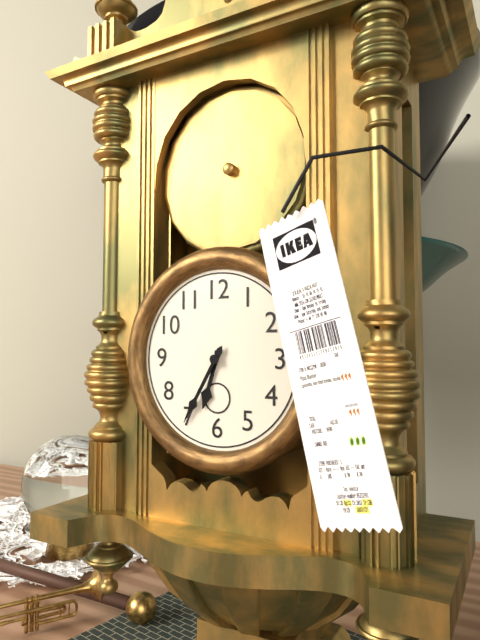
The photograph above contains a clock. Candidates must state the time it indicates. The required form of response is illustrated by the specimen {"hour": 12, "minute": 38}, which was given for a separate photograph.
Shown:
{"hour": 6, "minute": 35}
